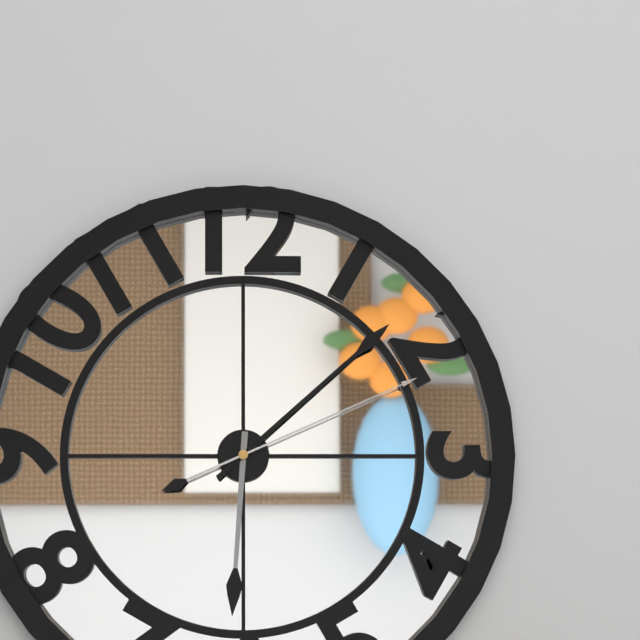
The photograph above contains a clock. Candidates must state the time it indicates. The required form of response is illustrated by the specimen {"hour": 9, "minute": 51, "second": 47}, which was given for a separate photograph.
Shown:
{"hour": 6, "minute": 8, "second": 11}
